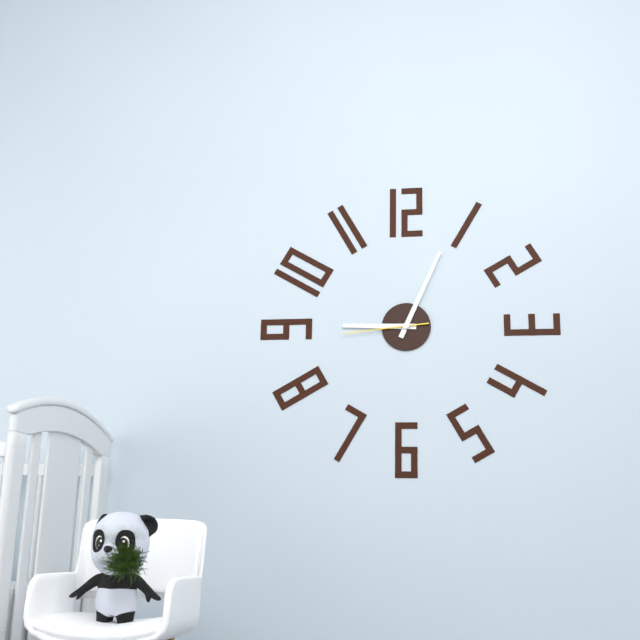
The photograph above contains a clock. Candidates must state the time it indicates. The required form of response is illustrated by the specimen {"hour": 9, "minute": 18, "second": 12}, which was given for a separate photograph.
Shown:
{"hour": 9, "minute": 4, "second": 44}
